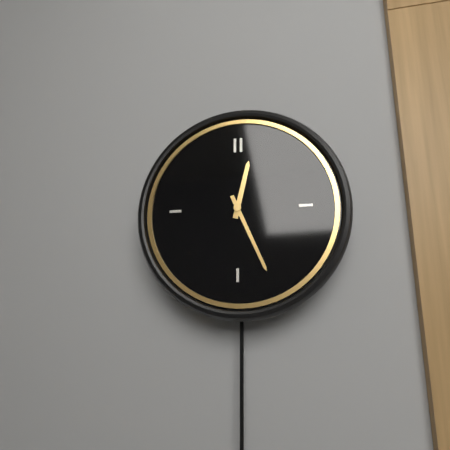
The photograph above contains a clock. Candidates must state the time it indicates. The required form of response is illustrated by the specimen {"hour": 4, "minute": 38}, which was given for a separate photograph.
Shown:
{"hour": 12, "minute": 26}
